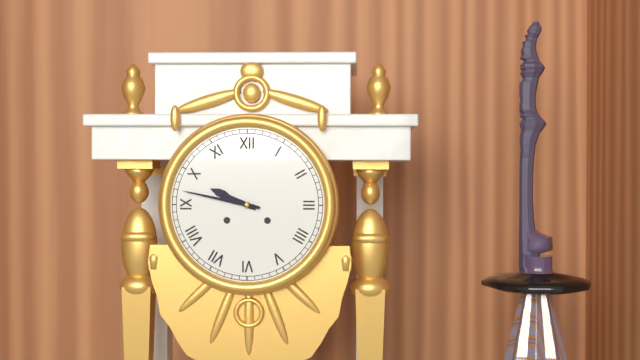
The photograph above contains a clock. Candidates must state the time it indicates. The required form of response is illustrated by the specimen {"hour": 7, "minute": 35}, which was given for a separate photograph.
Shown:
{"hour": 9, "minute": 47}
